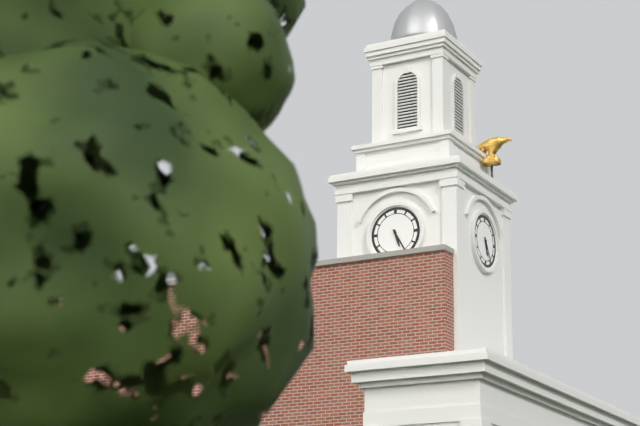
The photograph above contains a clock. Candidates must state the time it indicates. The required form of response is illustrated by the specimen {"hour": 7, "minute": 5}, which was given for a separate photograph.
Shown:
{"hour": 5, "minute": 25}
